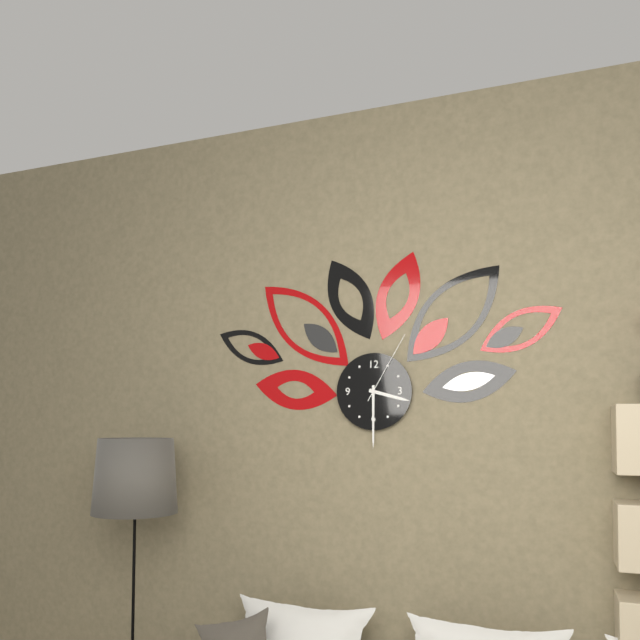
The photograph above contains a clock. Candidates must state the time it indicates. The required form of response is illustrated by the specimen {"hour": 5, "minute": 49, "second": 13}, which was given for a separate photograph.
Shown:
{"hour": 3, "minute": 30, "second": 5}
